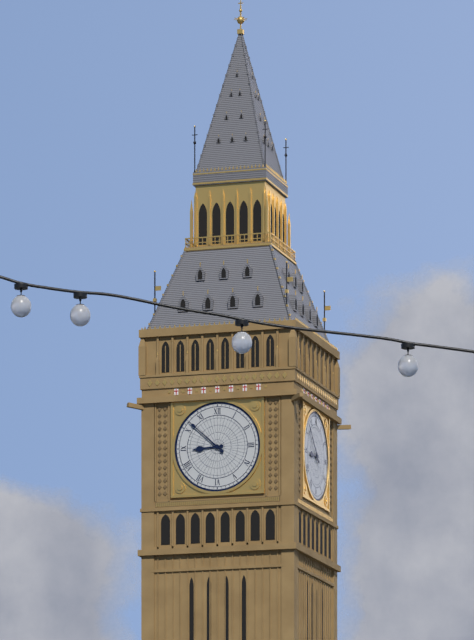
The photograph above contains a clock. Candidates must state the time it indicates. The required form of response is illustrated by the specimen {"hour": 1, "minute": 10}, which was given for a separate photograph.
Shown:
{"hour": 8, "minute": 52}
